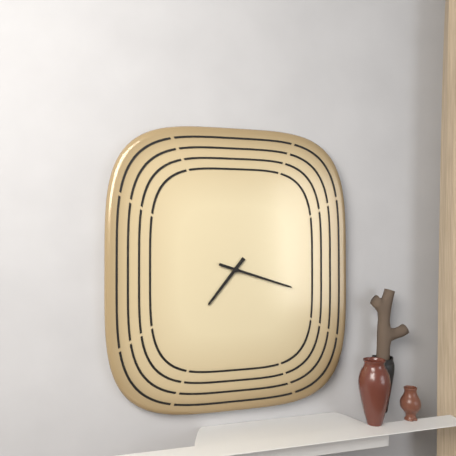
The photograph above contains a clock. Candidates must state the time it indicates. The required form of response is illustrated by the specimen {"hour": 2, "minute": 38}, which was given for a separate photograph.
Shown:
{"hour": 7, "minute": 18}
